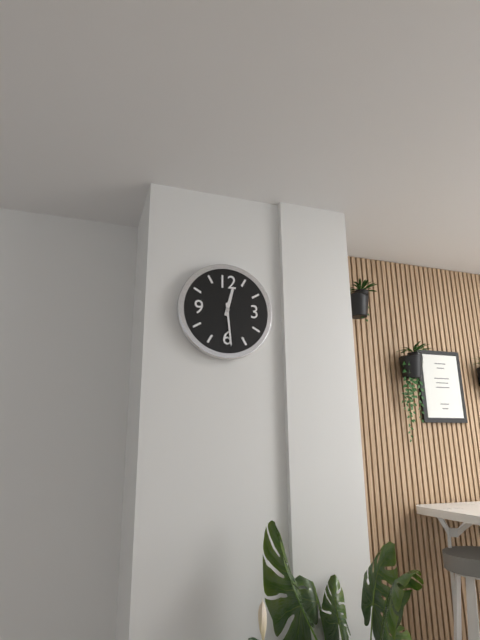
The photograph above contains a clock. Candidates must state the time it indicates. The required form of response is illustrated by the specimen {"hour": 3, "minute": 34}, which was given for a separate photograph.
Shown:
{"hour": 12, "minute": 29}
